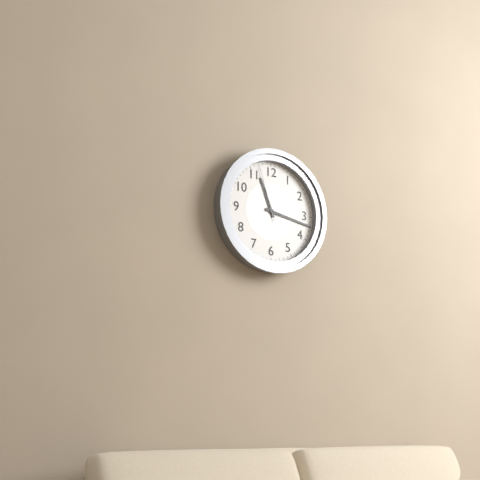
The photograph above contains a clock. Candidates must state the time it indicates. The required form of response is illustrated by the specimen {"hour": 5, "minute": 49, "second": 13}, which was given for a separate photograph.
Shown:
{"hour": 11, "minute": 17, "second": 57}
